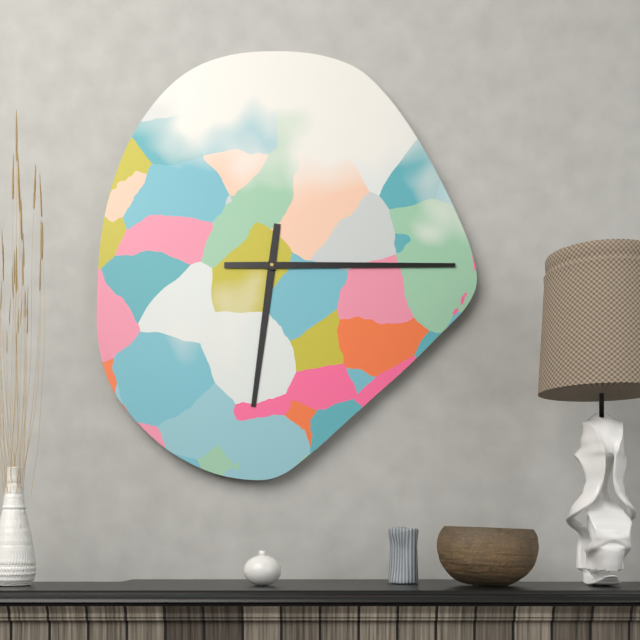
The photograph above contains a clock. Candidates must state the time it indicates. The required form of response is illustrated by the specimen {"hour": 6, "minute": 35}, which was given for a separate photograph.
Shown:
{"hour": 6, "minute": 15}
